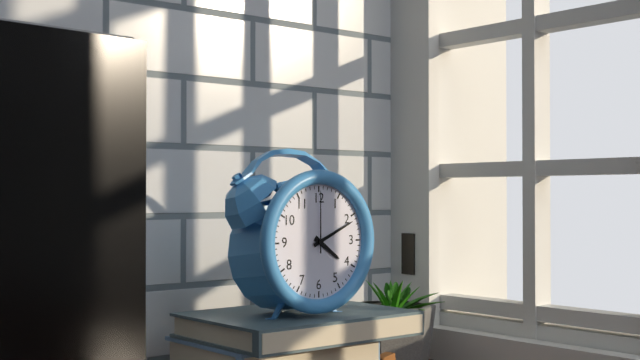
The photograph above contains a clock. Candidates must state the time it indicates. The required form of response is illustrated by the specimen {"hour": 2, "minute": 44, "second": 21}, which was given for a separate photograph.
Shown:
{"hour": 4, "minute": 11, "second": 0}
